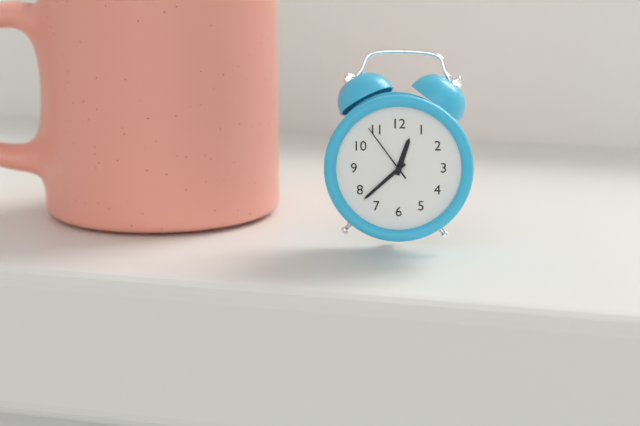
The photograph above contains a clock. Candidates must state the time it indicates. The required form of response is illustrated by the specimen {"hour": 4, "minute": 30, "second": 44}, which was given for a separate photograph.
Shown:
{"hour": 12, "minute": 38, "second": 54}
